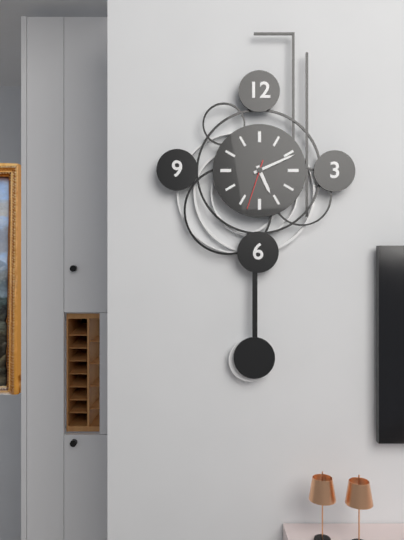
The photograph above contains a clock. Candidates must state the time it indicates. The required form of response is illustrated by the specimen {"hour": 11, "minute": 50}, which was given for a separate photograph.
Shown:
{"hour": 5, "minute": 11}
